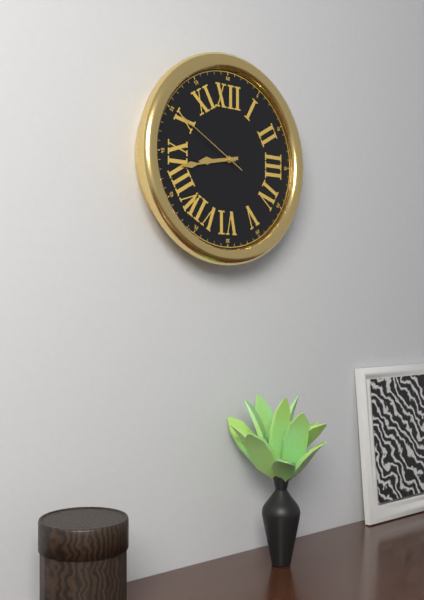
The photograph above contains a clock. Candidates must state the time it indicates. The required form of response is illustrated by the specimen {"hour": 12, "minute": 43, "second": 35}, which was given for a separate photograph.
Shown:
{"hour": 8, "minute": 43, "second": 50}
